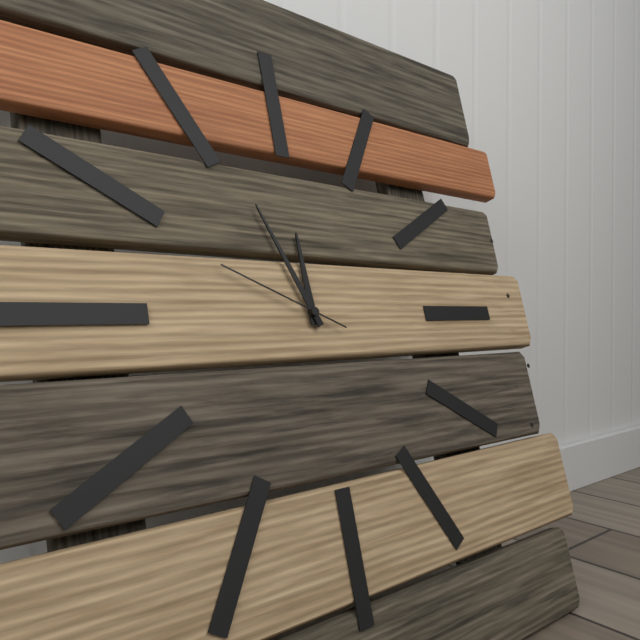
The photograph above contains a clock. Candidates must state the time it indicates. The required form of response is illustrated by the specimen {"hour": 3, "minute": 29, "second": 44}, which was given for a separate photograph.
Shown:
{"hour": 11, "minute": 56, "second": 49}
